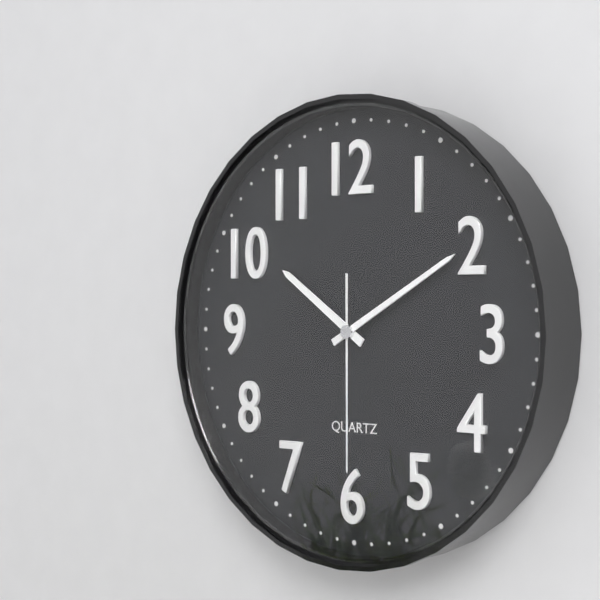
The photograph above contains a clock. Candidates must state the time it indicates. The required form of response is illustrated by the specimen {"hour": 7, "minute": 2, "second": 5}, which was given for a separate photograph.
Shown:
{"hour": 10, "minute": 10, "second": 30}
